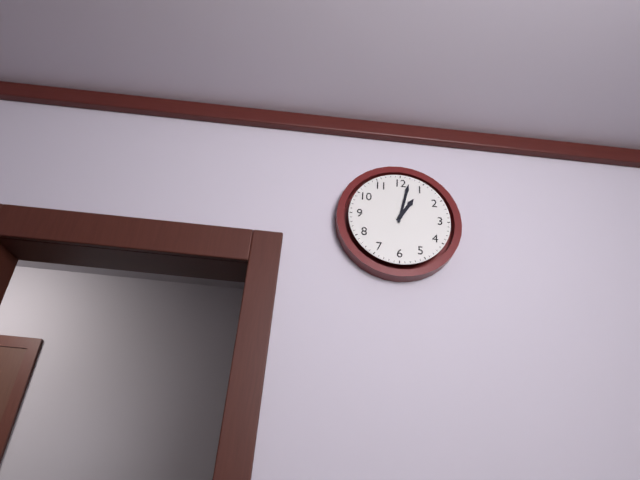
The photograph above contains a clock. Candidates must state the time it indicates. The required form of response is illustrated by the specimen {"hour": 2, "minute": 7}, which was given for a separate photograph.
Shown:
{"hour": 1, "minute": 2}
